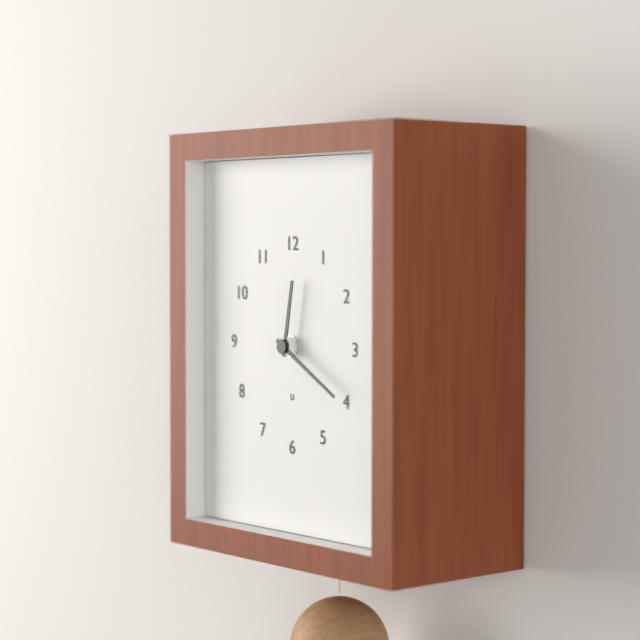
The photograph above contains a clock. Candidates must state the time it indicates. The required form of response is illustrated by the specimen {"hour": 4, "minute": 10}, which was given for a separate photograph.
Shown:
{"hour": 12, "minute": 20}
